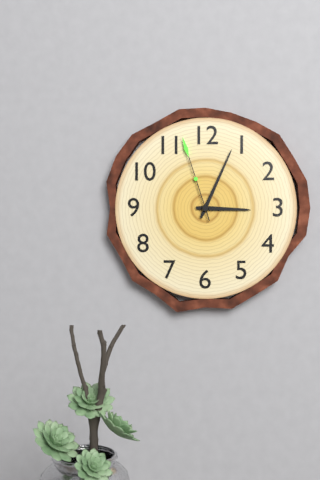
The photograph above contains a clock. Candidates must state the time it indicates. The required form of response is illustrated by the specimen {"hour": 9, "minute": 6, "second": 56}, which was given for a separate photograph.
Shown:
{"hour": 3, "minute": 4, "second": 57}
